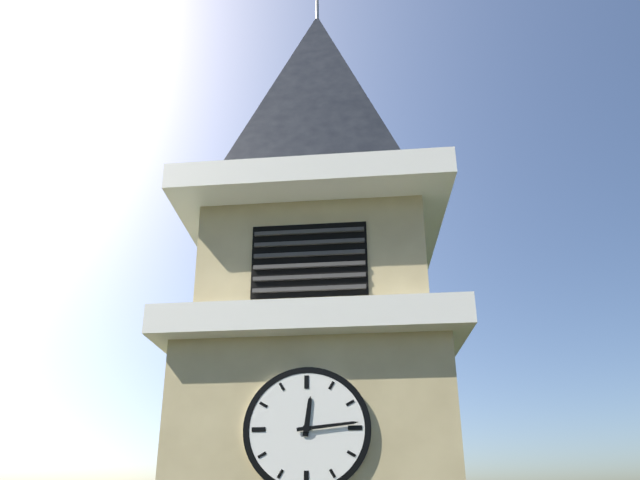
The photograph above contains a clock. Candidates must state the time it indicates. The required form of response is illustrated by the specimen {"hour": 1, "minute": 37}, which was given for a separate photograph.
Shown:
{"hour": 12, "minute": 14}
